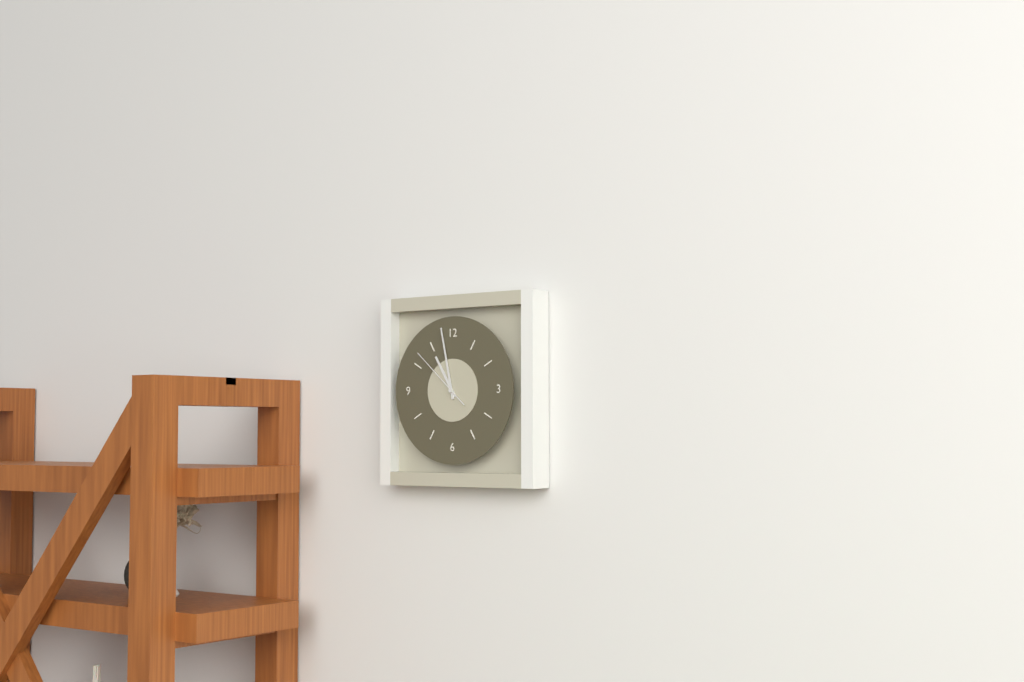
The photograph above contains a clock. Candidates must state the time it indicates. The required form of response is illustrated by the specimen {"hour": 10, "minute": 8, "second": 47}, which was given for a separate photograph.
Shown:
{"hour": 10, "minute": 58, "second": 52}
